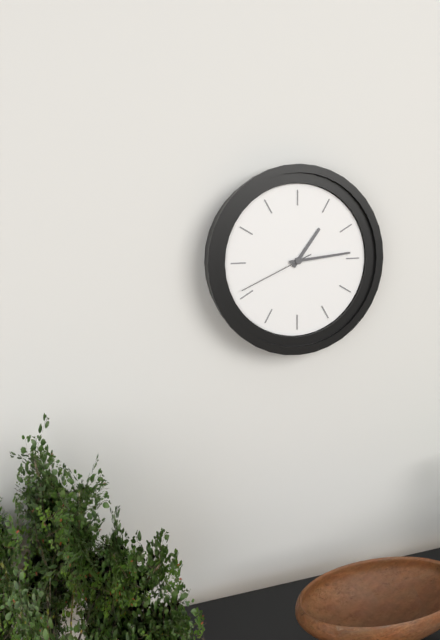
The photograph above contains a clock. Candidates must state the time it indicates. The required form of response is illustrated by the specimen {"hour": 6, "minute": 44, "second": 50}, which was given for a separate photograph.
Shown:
{"hour": 1, "minute": 14, "second": 41}
